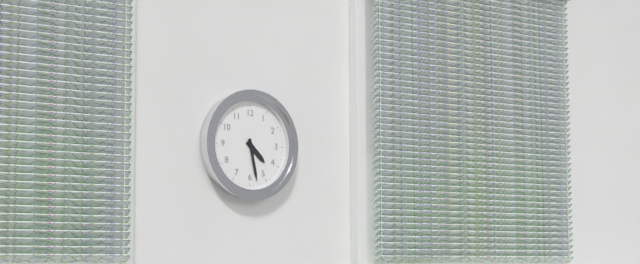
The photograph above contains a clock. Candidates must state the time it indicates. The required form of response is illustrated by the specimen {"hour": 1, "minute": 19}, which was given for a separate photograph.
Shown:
{"hour": 4, "minute": 28}
